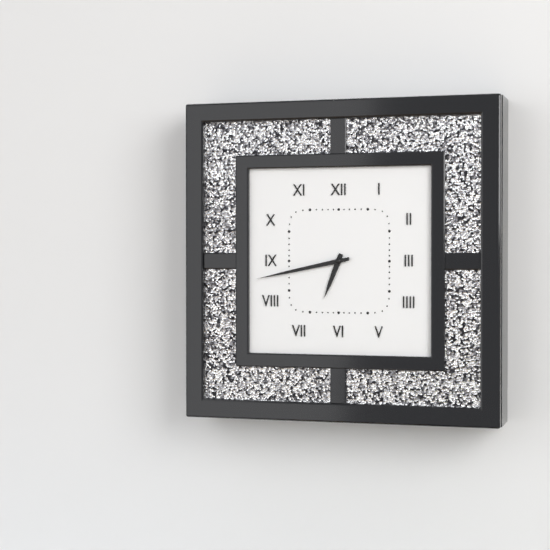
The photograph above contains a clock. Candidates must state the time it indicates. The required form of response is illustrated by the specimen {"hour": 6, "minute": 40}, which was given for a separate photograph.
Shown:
{"hour": 6, "minute": 43}
